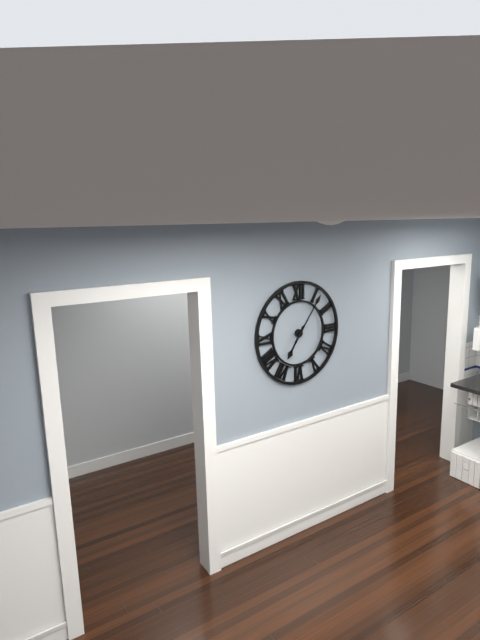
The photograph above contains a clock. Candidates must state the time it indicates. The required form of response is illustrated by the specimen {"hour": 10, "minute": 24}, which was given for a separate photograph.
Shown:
{"hour": 7, "minute": 6}
